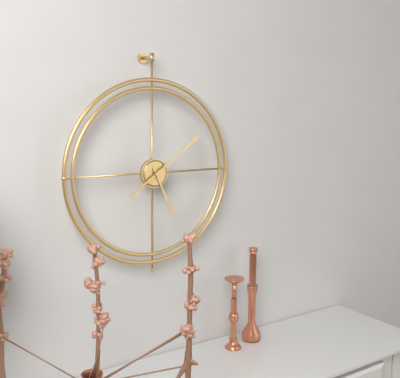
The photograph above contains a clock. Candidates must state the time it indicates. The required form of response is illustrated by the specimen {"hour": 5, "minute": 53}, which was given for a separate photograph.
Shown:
{"hour": 5, "minute": 9}
